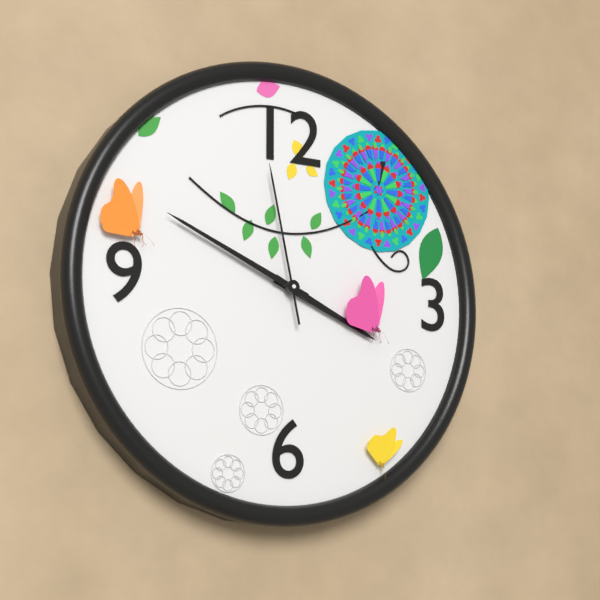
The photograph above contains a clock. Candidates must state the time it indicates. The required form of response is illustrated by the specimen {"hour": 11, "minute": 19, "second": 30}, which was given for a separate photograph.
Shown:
{"hour": 3, "minute": 49, "second": 58}
